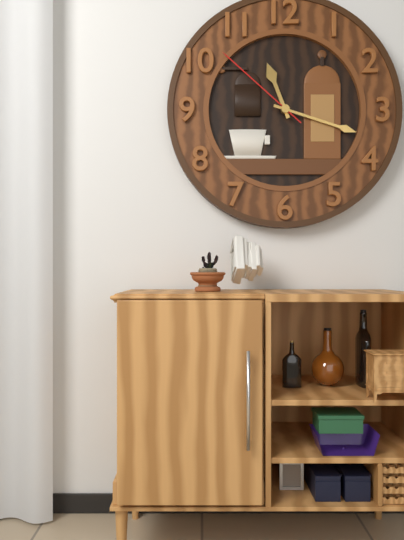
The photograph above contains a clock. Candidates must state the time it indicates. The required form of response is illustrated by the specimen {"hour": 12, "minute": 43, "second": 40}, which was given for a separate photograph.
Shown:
{"hour": 11, "minute": 18, "second": 52}
